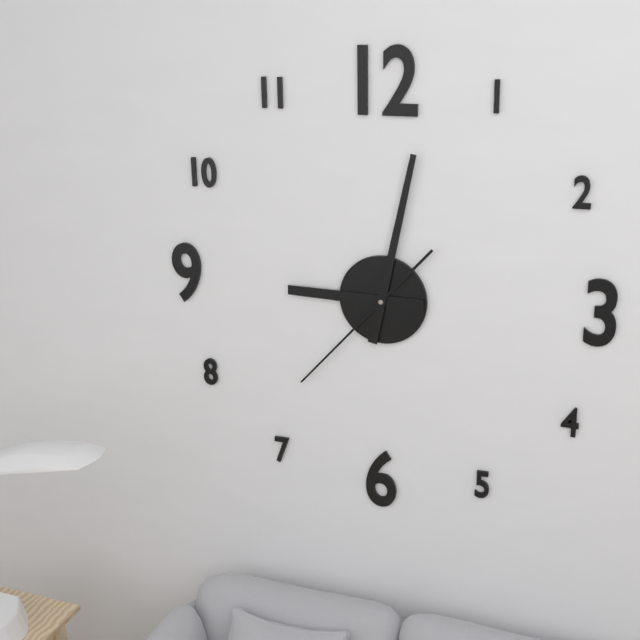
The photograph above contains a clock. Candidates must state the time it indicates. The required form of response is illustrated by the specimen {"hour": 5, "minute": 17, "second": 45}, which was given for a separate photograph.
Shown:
{"hour": 9, "minute": 2, "second": 37}
